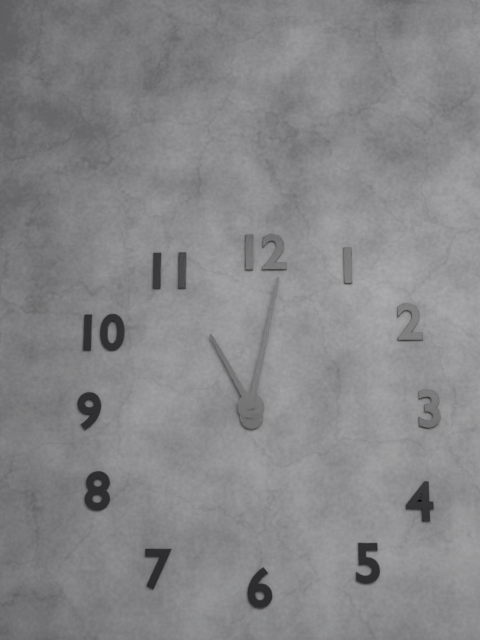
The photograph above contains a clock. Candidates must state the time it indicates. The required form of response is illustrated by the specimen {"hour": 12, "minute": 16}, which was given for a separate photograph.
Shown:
{"hour": 11, "minute": 2}
